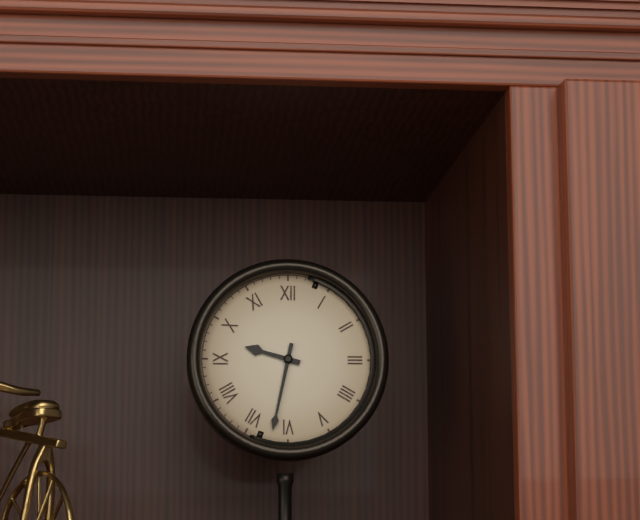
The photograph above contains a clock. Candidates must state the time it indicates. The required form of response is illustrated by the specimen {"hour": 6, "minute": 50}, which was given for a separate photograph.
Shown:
{"hour": 9, "minute": 32}
